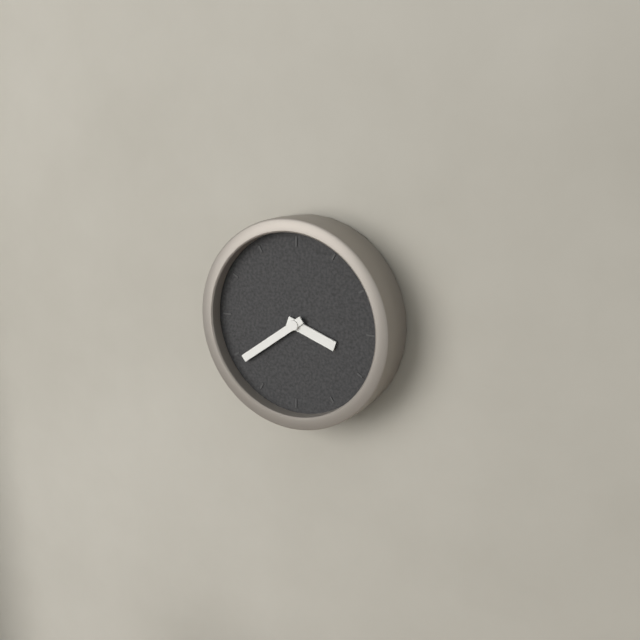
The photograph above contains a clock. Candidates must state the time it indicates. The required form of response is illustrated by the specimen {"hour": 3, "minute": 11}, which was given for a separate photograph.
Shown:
{"hour": 3, "minute": 39}
